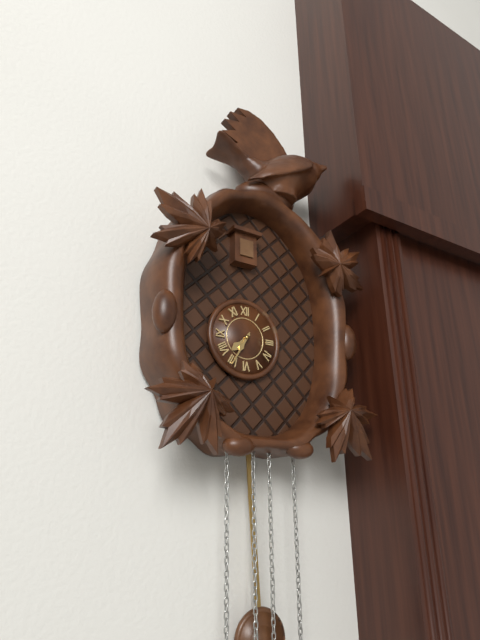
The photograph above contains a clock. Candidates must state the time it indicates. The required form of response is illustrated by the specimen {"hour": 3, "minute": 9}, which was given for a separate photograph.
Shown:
{"hour": 7, "minute": 35}
